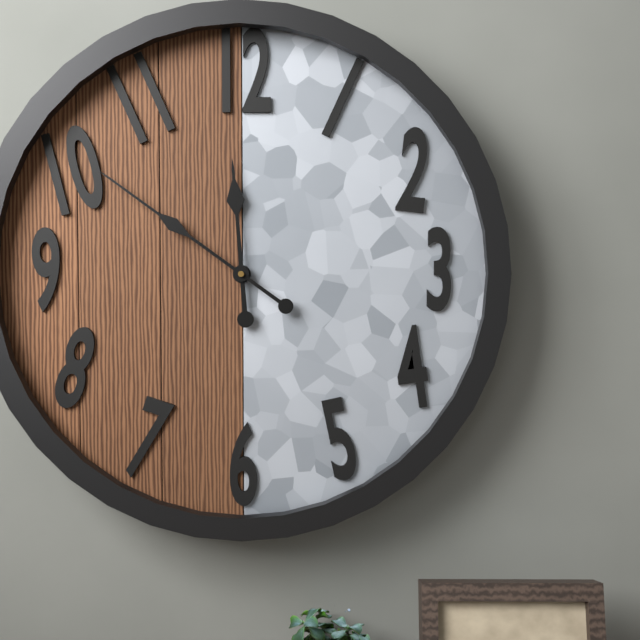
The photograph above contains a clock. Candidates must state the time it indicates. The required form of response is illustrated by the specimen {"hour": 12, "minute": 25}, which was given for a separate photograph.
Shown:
{"hour": 11, "minute": 51}
